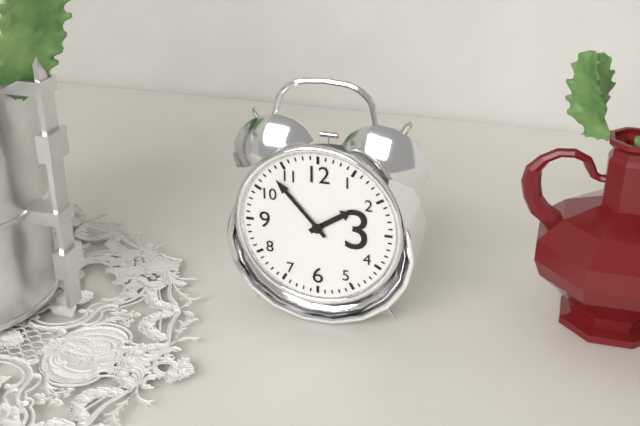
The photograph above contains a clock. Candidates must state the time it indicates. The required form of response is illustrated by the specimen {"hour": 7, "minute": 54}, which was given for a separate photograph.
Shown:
{"hour": 1, "minute": 53}
